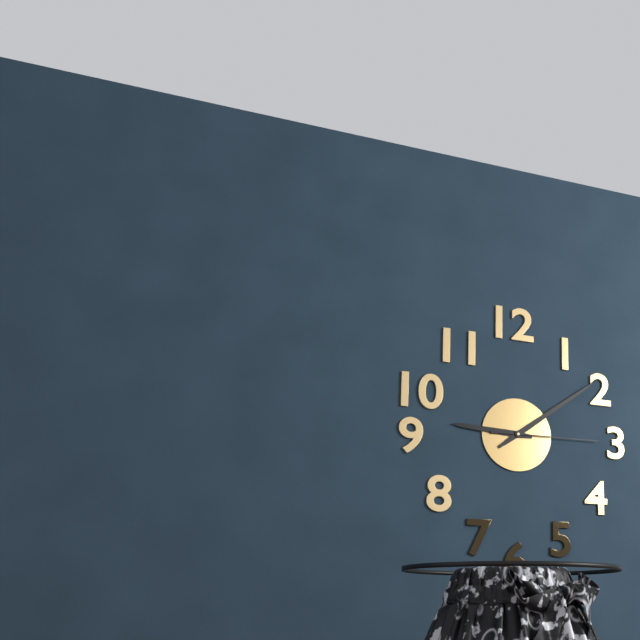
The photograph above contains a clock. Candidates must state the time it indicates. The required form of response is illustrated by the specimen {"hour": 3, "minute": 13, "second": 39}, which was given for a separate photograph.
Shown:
{"hour": 9, "minute": 9, "second": 15}
